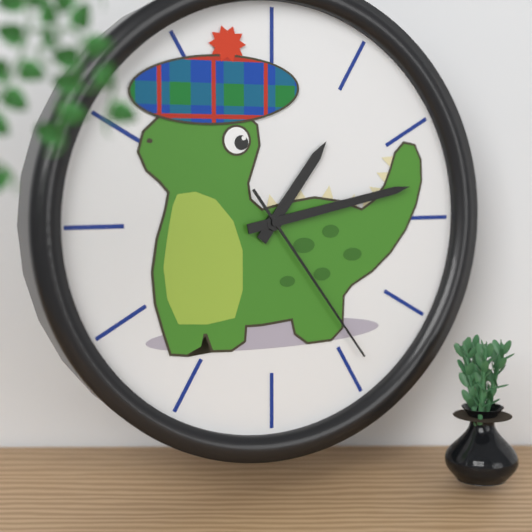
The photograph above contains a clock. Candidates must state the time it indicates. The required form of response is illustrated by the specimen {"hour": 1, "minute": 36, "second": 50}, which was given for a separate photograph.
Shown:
{"hour": 1, "minute": 13, "second": 24}
